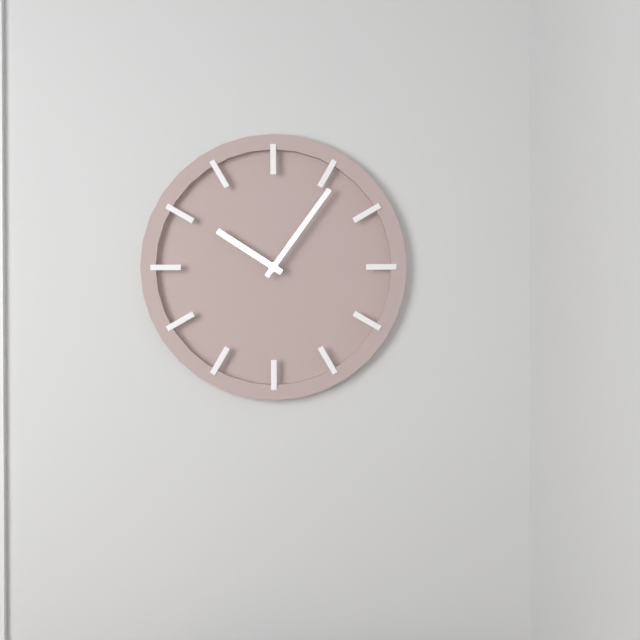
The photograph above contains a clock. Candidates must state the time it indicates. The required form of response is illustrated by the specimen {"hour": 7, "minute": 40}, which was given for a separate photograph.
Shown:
{"hour": 10, "minute": 6}
